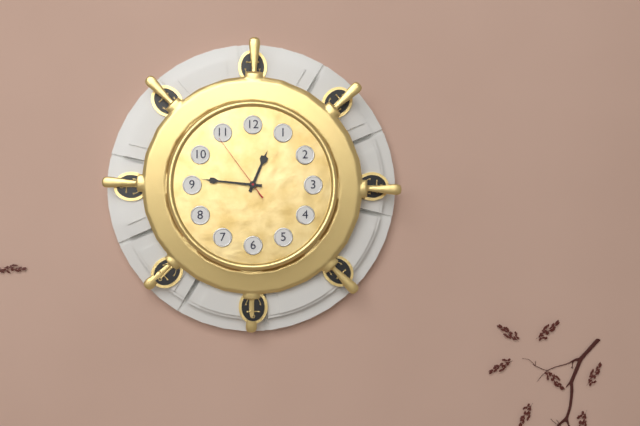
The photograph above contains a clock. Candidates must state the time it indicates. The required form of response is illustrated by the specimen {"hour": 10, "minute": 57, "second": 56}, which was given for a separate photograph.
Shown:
{"hour": 12, "minute": 46, "second": 54}
